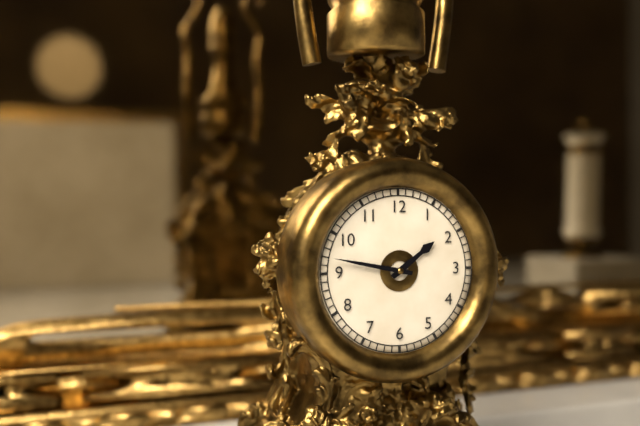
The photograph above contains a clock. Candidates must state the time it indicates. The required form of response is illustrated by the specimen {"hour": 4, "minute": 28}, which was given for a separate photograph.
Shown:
{"hour": 1, "minute": 47}
